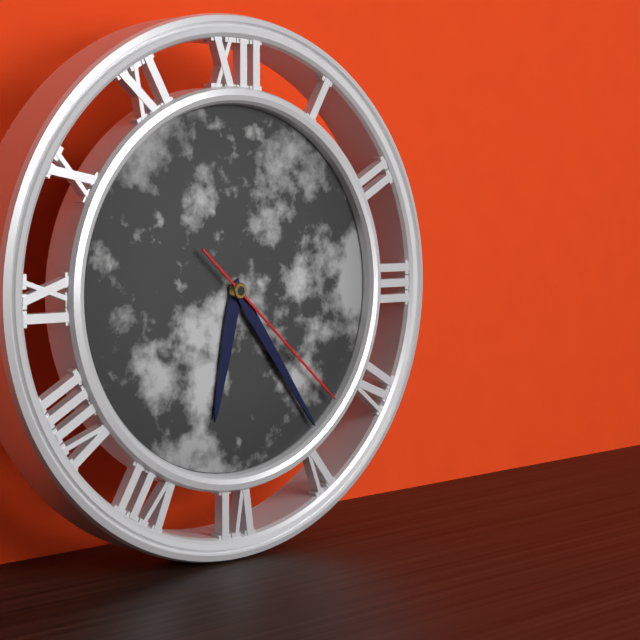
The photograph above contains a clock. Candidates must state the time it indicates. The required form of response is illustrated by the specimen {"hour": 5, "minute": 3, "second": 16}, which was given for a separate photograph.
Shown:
{"hour": 6, "minute": 24, "second": 22}
